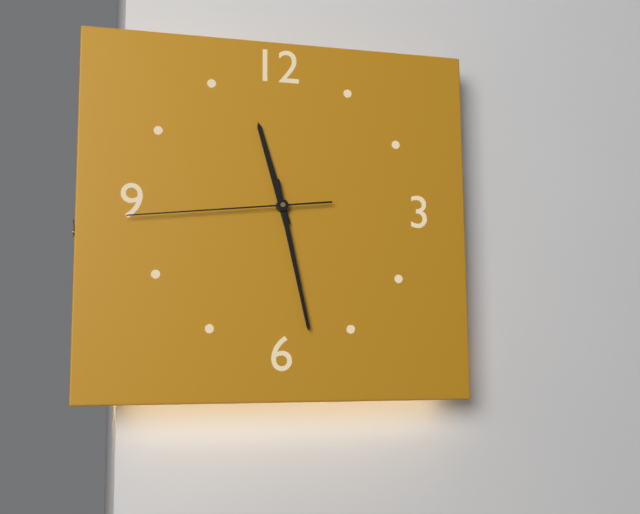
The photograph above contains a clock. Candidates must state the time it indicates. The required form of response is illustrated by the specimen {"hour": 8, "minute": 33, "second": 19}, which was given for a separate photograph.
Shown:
{"hour": 11, "minute": 28, "second": 44}
